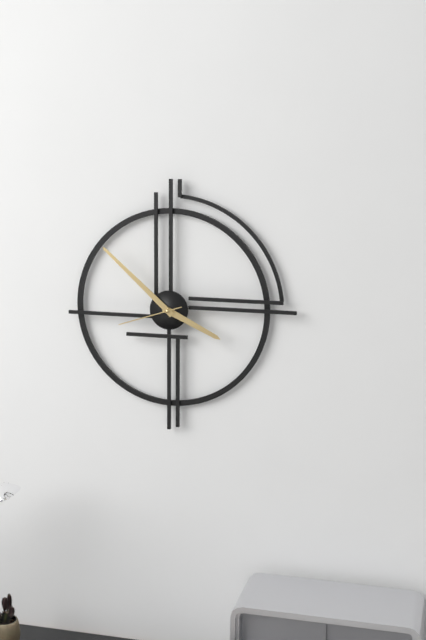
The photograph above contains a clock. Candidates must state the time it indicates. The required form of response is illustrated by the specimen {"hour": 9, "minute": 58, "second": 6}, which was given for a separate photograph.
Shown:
{"hour": 3, "minute": 52, "second": 42}
